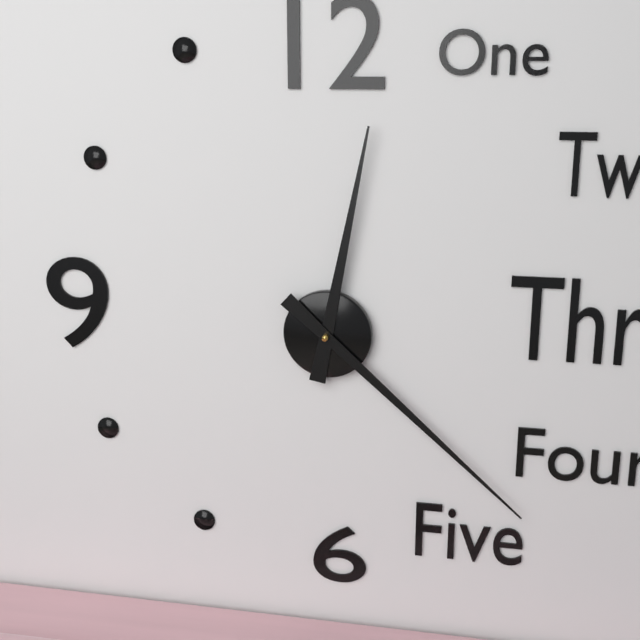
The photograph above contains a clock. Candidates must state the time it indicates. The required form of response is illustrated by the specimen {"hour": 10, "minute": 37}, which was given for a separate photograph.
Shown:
{"hour": 12, "minute": 22}
